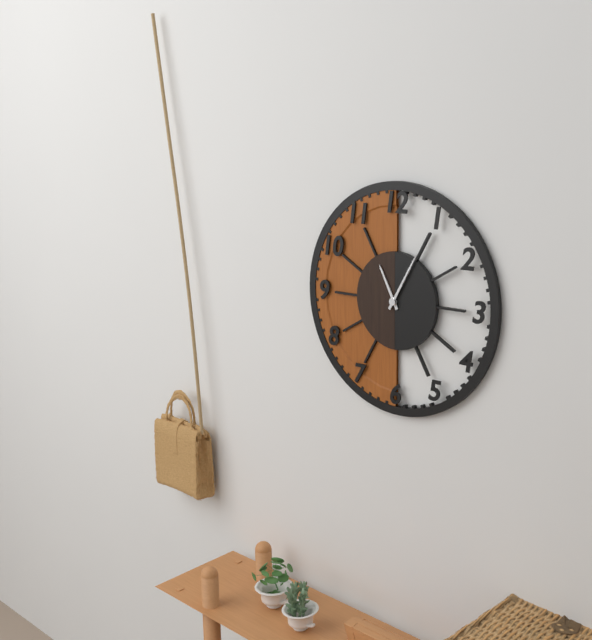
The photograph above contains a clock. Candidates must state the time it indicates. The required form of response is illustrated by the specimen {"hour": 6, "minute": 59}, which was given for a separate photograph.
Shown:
{"hour": 11, "minute": 5}
